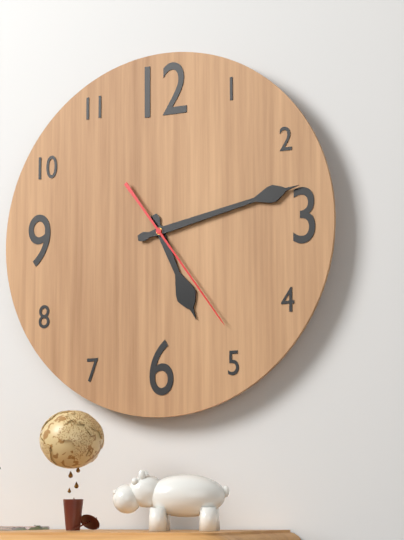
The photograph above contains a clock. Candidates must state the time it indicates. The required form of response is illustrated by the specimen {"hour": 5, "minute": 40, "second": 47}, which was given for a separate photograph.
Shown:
{"hour": 5, "minute": 13, "second": 24}
